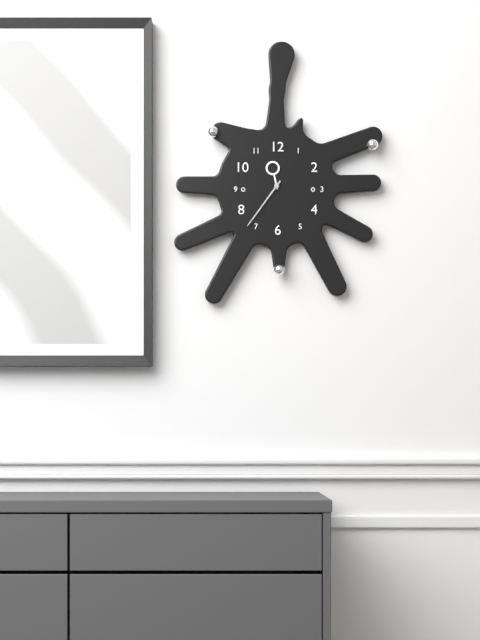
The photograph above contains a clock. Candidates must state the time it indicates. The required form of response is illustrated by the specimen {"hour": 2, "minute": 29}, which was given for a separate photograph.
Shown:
{"hour": 11, "minute": 36}
